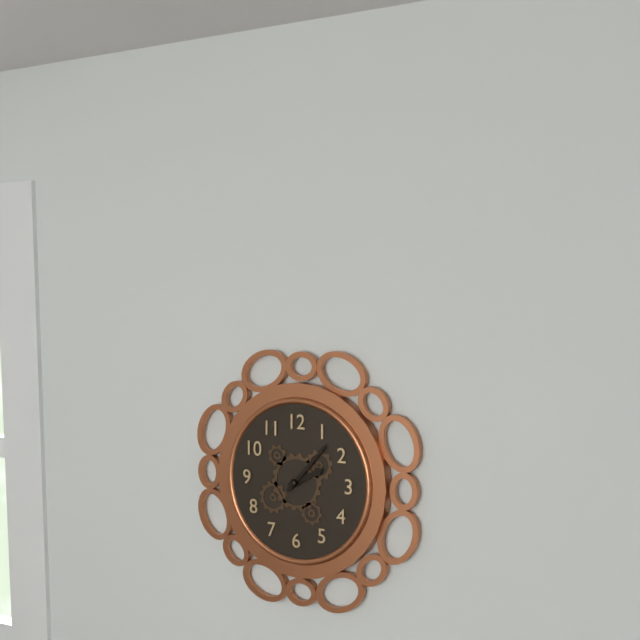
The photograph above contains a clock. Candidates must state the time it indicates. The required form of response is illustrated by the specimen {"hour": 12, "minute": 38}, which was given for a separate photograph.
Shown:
{"hour": 2, "minute": 7}
